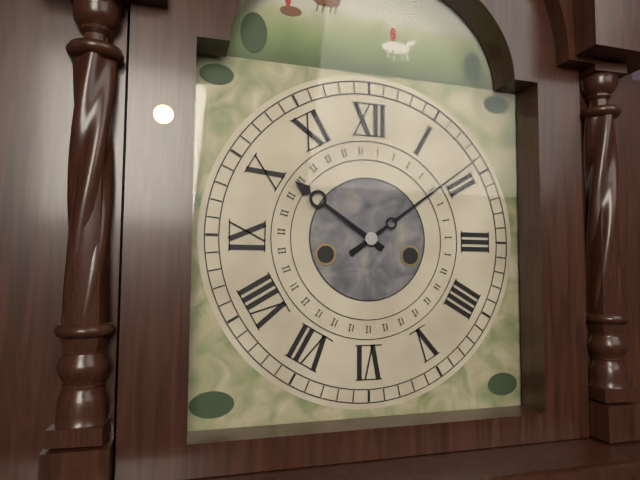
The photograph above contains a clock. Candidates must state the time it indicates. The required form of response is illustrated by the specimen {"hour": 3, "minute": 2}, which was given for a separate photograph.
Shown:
{"hour": 10, "minute": 9}
